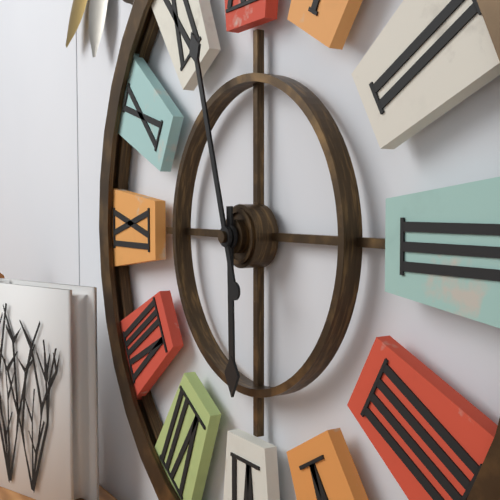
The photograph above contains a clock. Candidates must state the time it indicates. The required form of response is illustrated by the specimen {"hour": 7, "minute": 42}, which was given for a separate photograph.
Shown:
{"hour": 5, "minute": 57}
